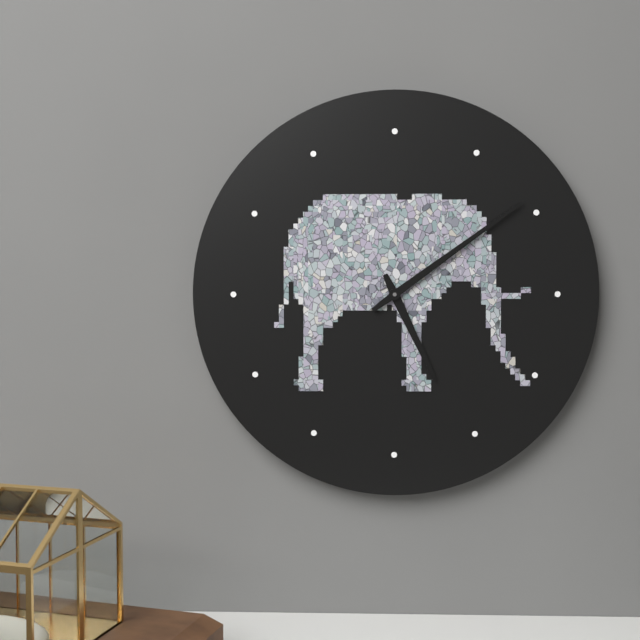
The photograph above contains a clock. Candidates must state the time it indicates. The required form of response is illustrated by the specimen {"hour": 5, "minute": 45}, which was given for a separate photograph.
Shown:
{"hour": 5, "minute": 9}
